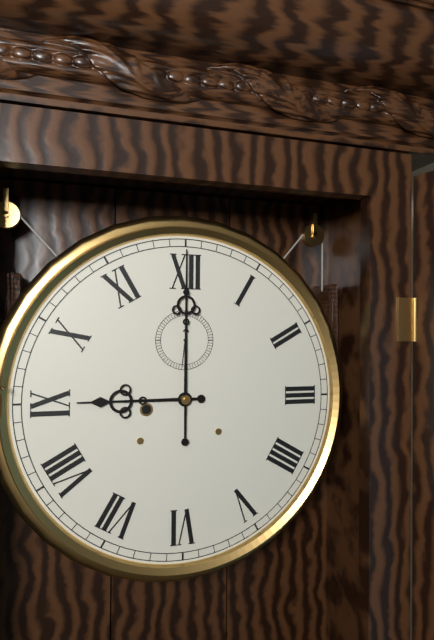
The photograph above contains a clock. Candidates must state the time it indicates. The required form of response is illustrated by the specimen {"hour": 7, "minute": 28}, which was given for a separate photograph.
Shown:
{"hour": 9, "minute": 0}
